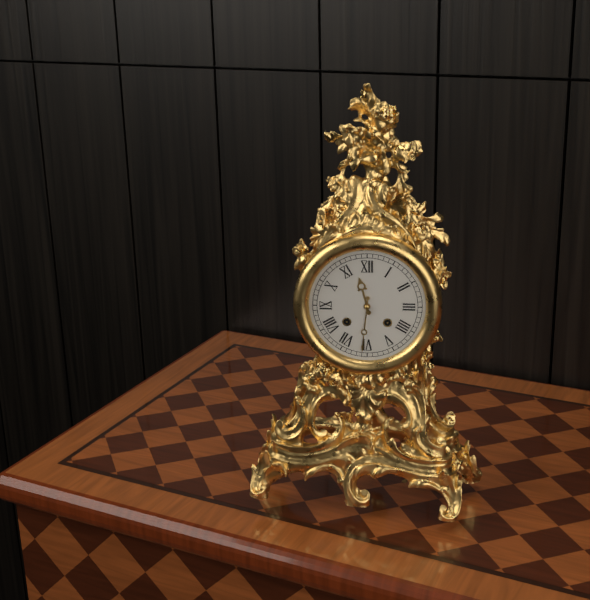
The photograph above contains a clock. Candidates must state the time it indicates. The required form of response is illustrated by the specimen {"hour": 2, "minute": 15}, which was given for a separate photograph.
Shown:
{"hour": 11, "minute": 31}
